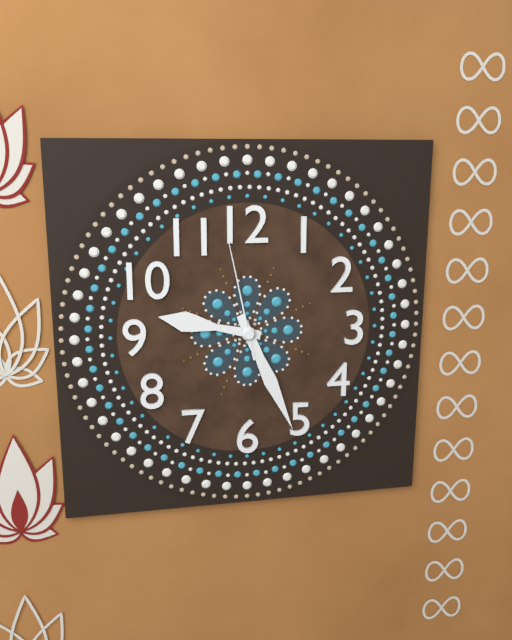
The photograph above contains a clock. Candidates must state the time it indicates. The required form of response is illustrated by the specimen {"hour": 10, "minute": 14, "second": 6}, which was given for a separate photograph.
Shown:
{"hour": 9, "minute": 26, "second": 58}
